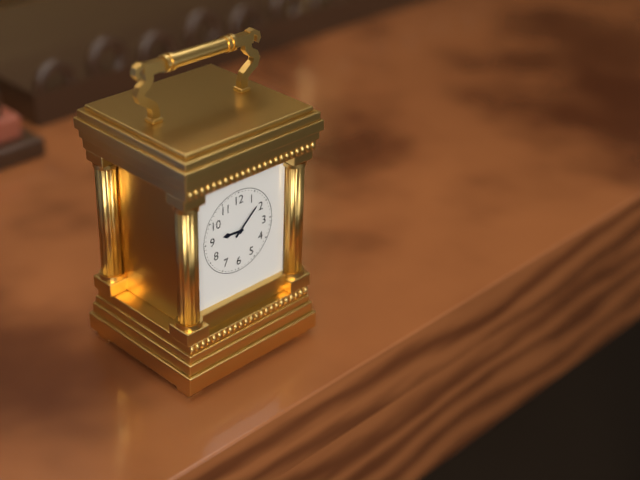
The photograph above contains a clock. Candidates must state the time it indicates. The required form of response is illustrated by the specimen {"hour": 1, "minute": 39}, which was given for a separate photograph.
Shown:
{"hour": 9, "minute": 8}
